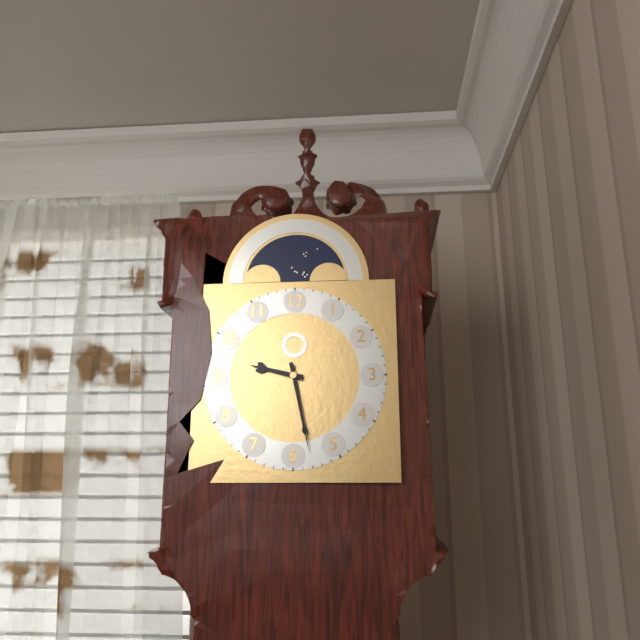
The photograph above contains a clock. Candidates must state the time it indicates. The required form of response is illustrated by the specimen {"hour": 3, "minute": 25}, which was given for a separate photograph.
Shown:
{"hour": 9, "minute": 28}
